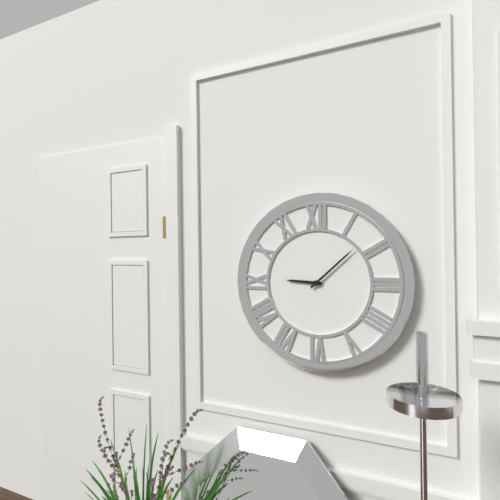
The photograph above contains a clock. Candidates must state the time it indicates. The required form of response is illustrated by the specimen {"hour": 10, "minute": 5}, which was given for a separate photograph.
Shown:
{"hour": 9, "minute": 8}
